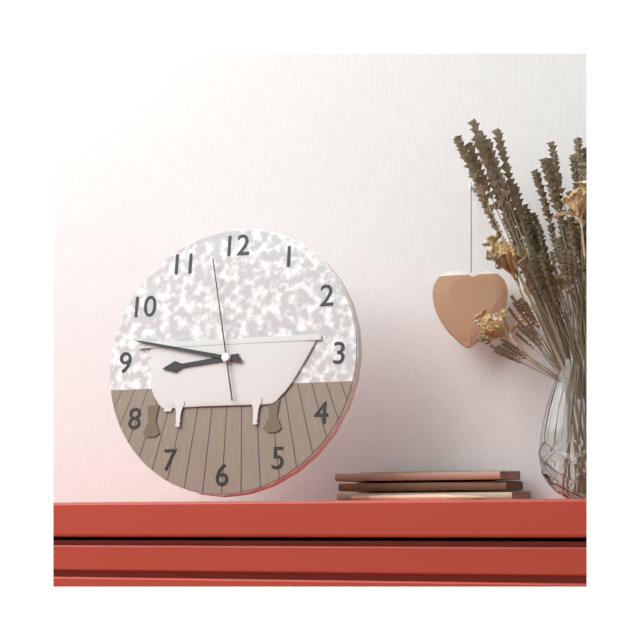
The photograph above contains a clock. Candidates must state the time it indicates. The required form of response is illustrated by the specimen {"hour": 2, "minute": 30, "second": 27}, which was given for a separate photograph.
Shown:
{"hour": 8, "minute": 47, "second": 58}
